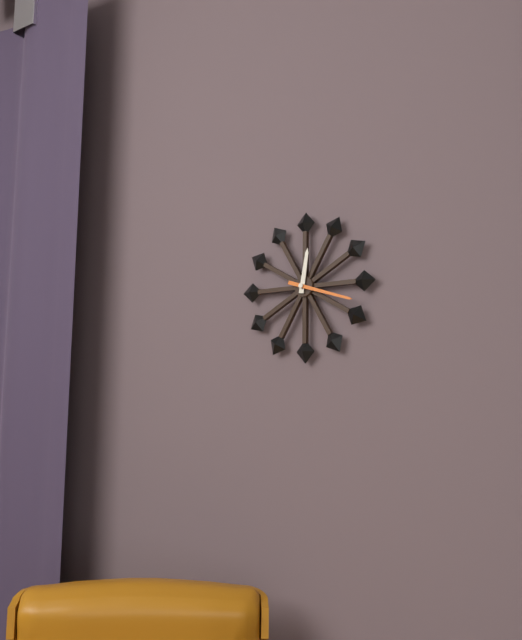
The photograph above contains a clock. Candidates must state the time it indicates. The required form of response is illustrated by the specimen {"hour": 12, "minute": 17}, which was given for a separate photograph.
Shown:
{"hour": 12, "minute": 18}
